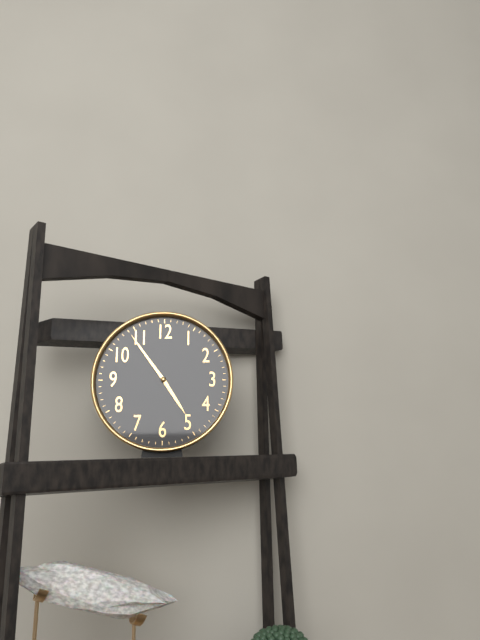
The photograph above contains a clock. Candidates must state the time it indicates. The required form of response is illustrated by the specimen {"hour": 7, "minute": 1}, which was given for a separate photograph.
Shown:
{"hour": 4, "minute": 54}
